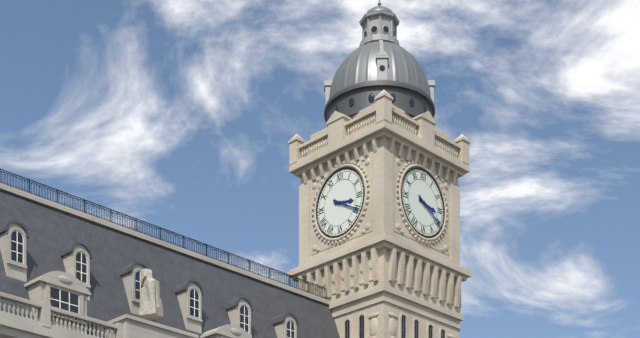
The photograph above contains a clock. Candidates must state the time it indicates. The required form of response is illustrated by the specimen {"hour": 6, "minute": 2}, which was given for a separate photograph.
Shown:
{"hour": 3, "minute": 20}
